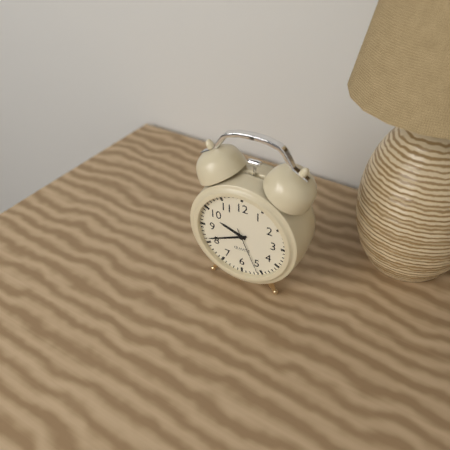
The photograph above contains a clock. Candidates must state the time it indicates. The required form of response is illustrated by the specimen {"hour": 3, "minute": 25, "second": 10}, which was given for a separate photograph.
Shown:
{"hour": 9, "minute": 41, "second": 26}
